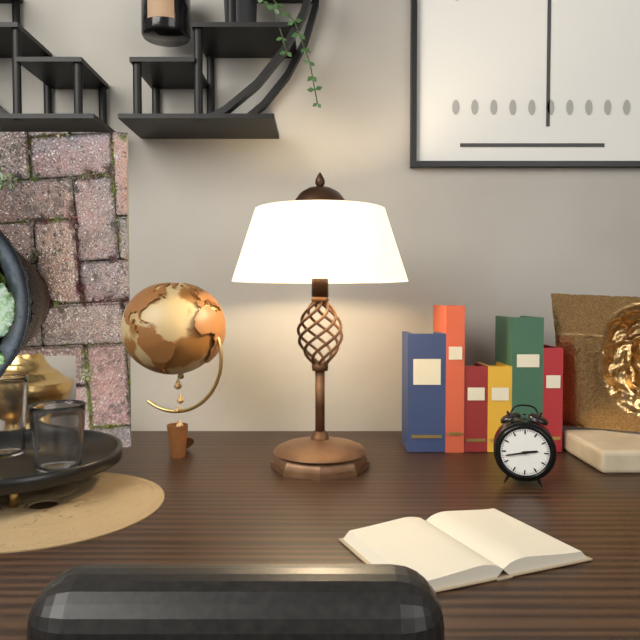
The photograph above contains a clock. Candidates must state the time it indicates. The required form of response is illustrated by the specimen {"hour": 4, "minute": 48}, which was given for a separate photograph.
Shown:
{"hour": 2, "minute": 43}
